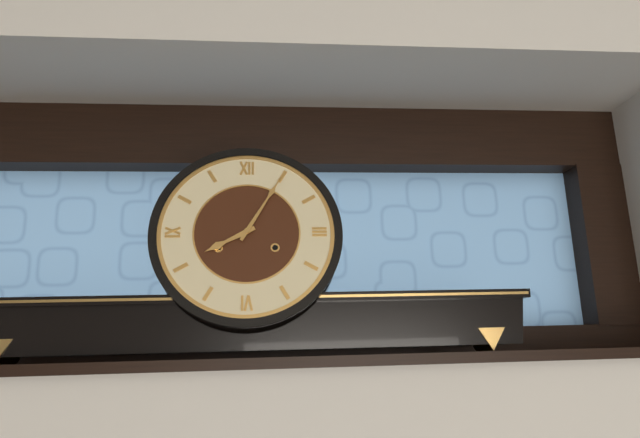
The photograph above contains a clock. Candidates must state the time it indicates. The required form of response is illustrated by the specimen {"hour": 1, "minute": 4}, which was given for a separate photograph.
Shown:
{"hour": 8, "minute": 5}
